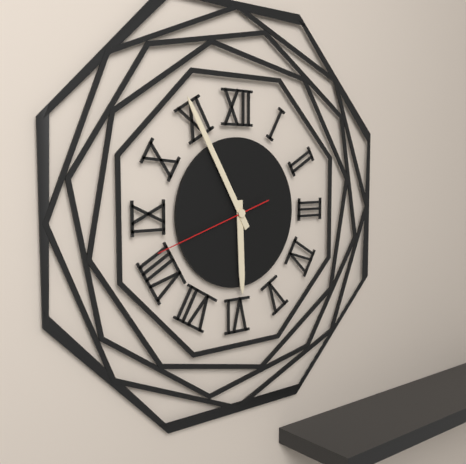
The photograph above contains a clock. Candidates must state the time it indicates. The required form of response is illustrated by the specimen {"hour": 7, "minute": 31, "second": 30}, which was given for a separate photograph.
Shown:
{"hour": 5, "minute": 55, "second": 42}
